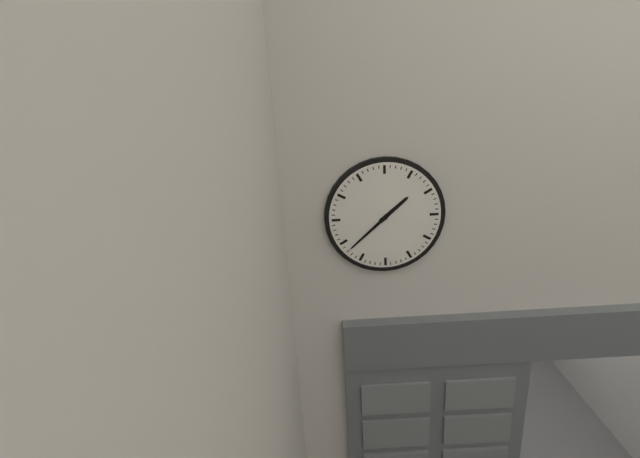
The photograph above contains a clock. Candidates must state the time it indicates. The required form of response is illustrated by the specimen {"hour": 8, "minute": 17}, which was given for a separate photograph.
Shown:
{"hour": 1, "minute": 38}
